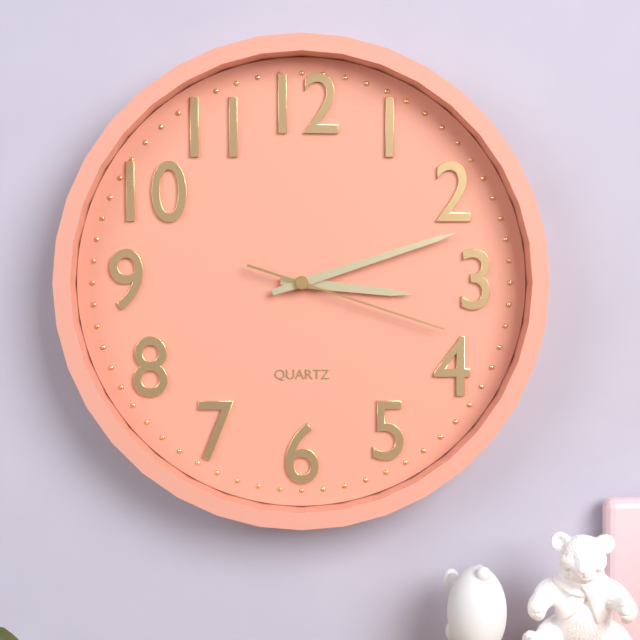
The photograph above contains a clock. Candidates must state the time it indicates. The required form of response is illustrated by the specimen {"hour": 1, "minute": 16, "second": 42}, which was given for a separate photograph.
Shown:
{"hour": 3, "minute": 12, "second": 18}
